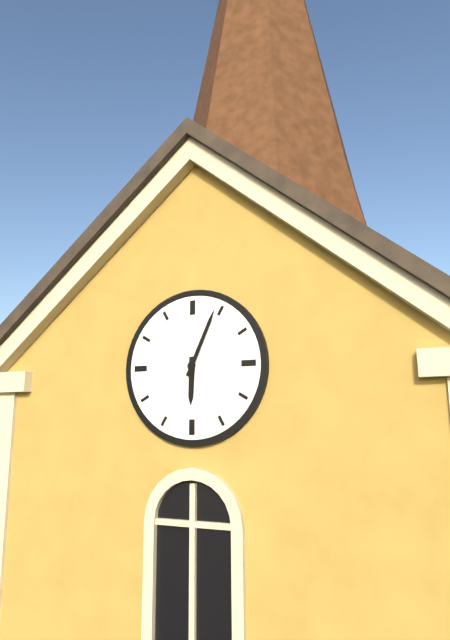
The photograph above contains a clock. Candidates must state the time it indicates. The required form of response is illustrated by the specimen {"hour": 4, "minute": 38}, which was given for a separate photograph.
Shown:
{"hour": 6, "minute": 4}
